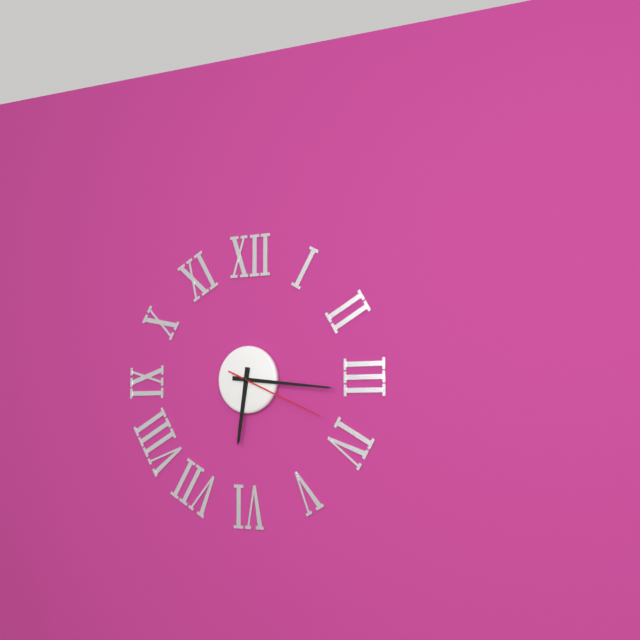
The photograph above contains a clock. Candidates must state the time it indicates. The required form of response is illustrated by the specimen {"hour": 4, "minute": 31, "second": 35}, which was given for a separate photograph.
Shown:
{"hour": 6, "minute": 16, "second": 19}
